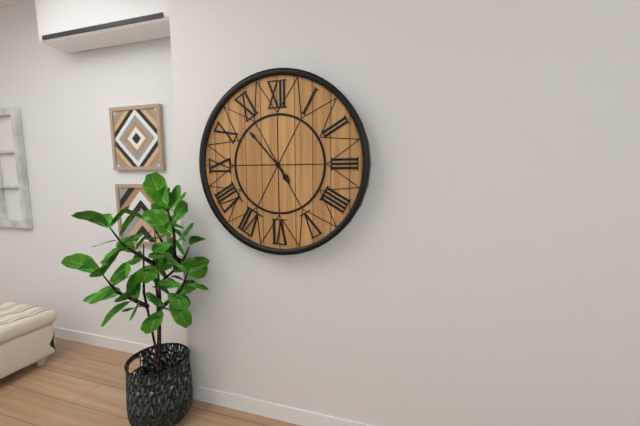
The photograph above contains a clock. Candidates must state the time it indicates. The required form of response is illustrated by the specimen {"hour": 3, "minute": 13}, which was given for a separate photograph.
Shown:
{"hour": 4, "minute": 53}
